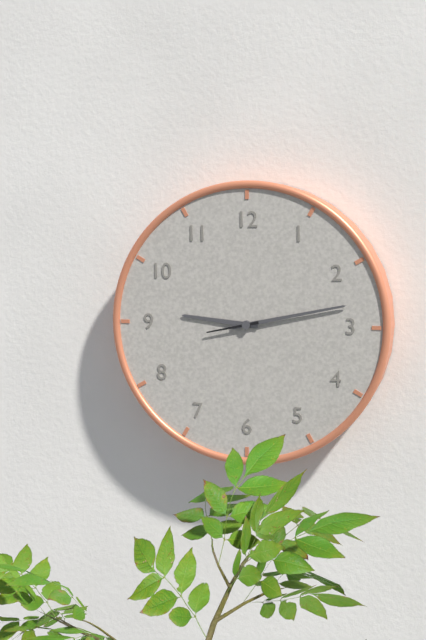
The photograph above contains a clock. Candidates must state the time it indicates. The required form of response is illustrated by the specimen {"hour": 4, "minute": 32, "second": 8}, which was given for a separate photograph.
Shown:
{"hour": 9, "minute": 13, "second": 43}
